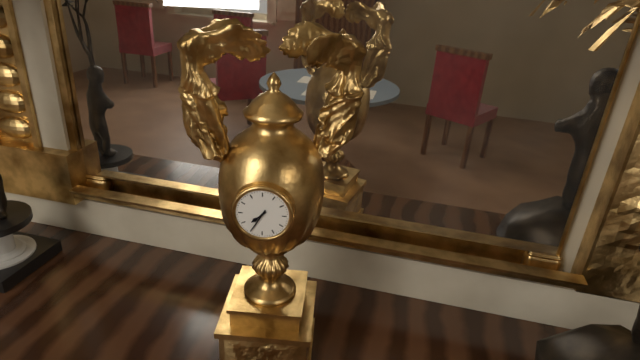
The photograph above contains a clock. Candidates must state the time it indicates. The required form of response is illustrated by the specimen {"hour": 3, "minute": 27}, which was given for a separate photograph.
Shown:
{"hour": 7, "minute": 35}
